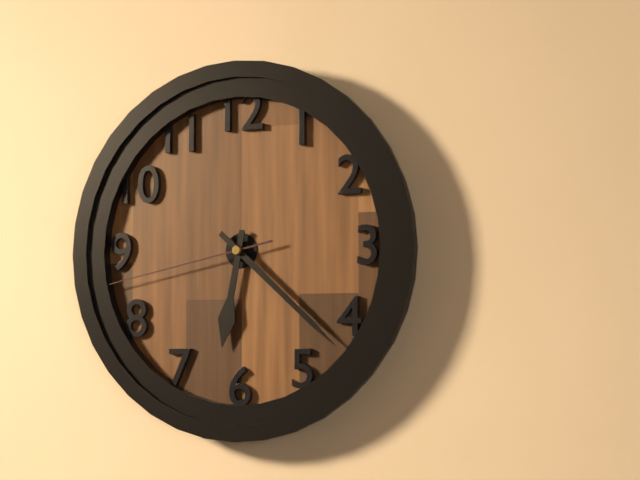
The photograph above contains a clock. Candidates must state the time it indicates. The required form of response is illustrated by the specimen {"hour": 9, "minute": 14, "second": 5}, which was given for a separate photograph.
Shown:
{"hour": 6, "minute": 22, "second": 43}
